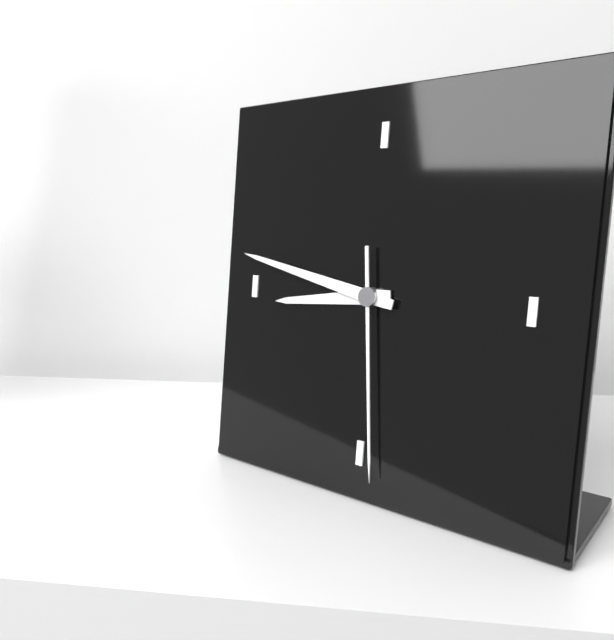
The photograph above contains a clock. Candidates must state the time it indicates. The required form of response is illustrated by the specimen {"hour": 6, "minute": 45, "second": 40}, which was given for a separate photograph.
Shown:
{"hour": 8, "minute": 47, "second": 29}
